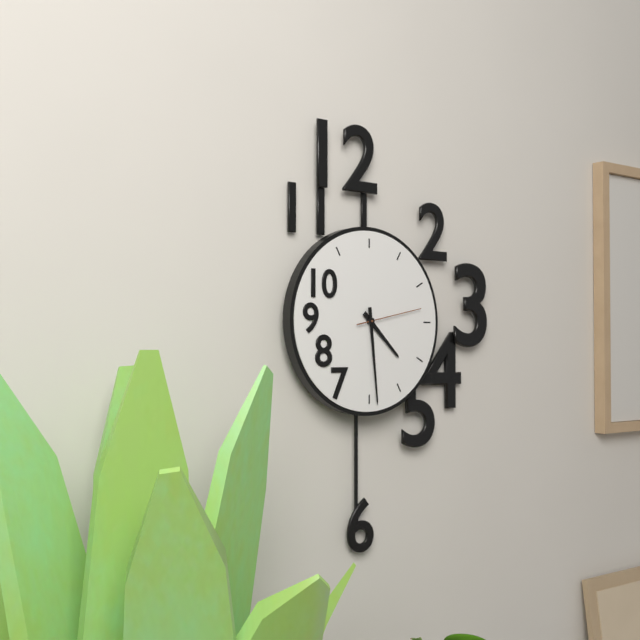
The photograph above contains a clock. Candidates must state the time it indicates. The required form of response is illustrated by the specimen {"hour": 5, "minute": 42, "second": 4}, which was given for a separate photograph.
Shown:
{"hour": 4, "minute": 29, "second": 13}
